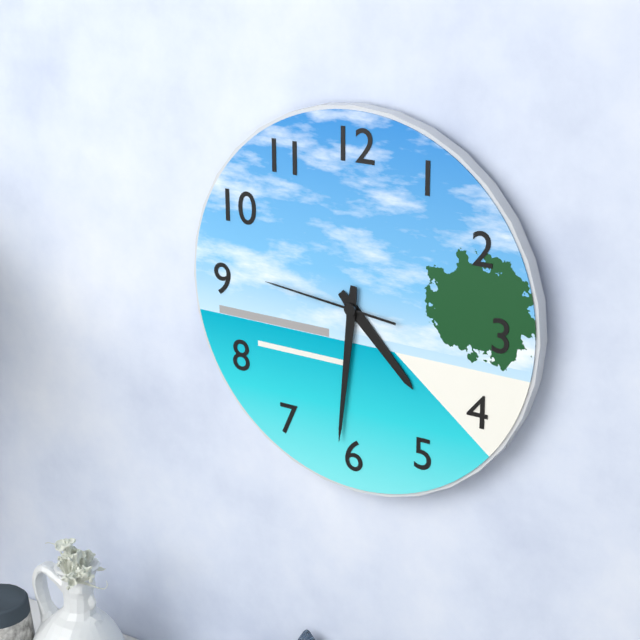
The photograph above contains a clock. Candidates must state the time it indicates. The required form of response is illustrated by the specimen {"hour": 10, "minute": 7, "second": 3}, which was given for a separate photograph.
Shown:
{"hour": 4, "minute": 31, "second": 46}
